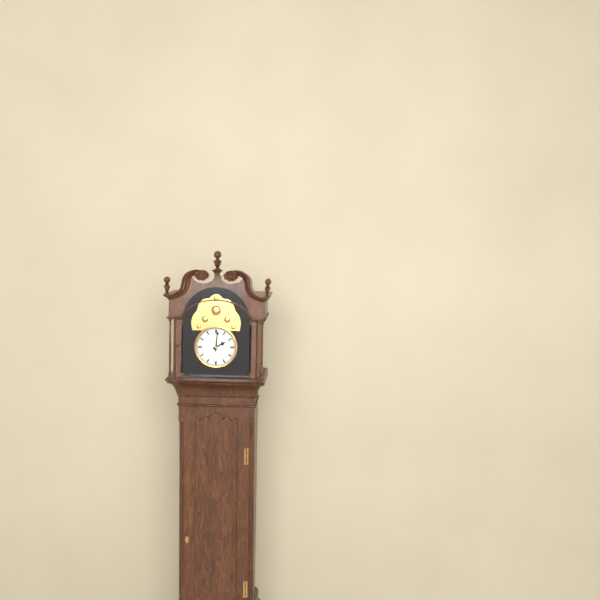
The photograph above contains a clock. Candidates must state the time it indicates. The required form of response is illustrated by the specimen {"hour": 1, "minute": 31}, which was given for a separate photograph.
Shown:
{"hour": 2, "minute": 1}
